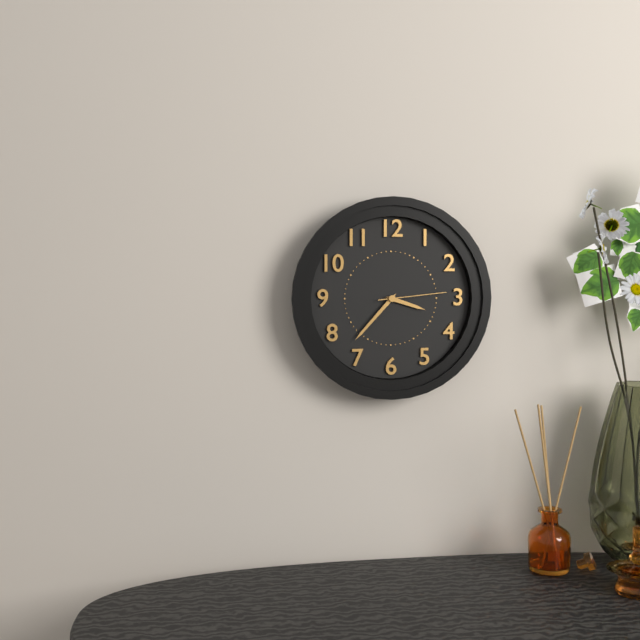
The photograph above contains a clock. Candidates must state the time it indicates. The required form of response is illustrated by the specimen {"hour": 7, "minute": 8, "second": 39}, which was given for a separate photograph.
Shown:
{"hour": 3, "minute": 37, "second": 14}
